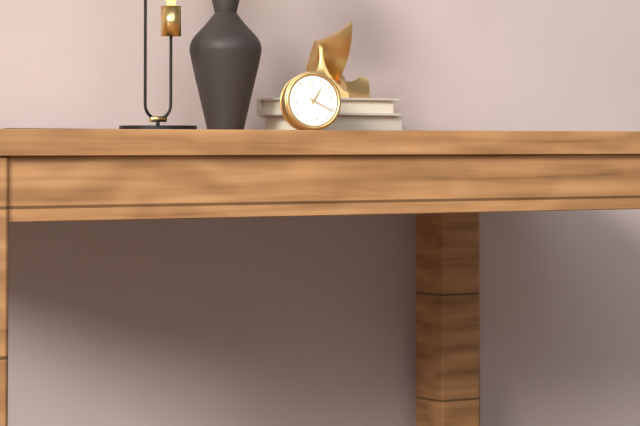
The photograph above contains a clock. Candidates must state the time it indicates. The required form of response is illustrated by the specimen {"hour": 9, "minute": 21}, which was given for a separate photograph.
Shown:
{"hour": 1, "minute": 21}
